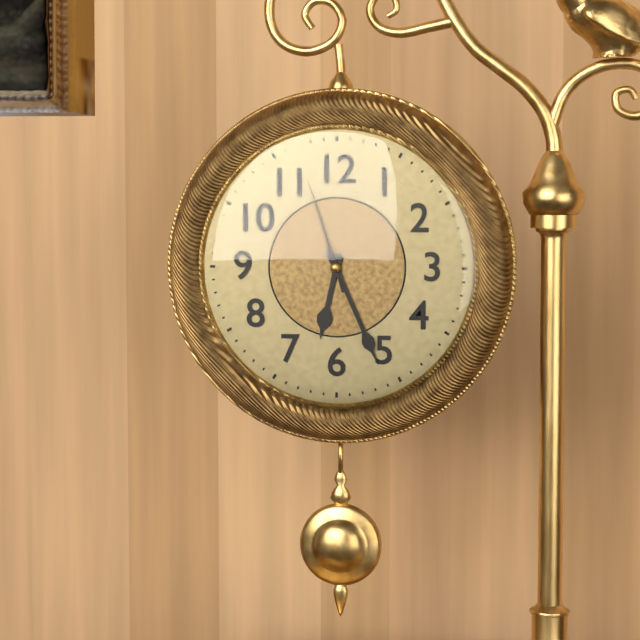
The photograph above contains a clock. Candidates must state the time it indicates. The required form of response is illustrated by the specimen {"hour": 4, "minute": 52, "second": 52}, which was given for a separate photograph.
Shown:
{"hour": 6, "minute": 26, "second": 57}
